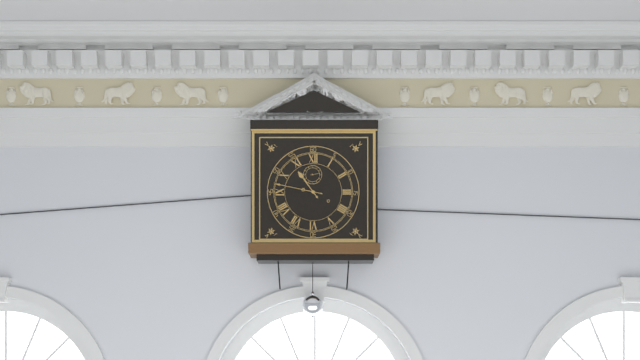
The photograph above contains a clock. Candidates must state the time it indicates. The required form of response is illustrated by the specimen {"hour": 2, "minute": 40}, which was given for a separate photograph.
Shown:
{"hour": 10, "minute": 47}
